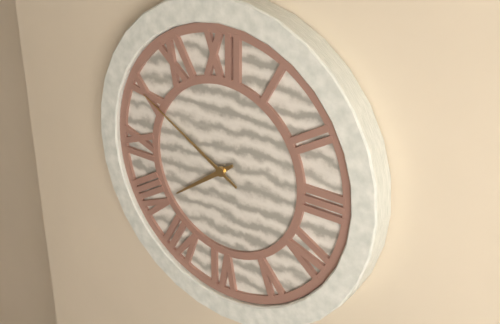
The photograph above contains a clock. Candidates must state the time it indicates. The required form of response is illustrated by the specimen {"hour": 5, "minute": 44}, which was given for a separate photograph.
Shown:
{"hour": 7, "minute": 50}
